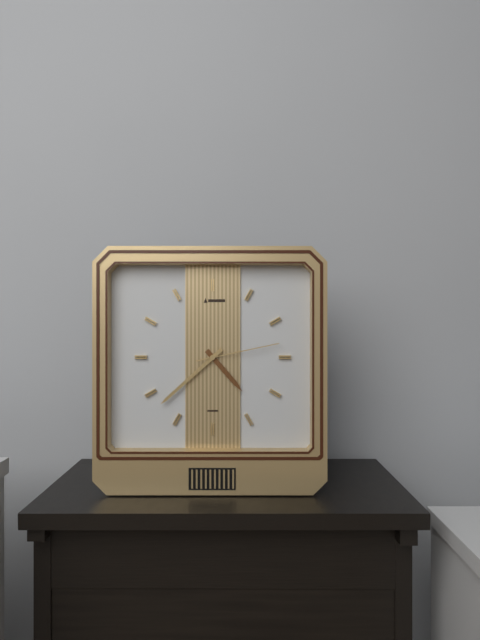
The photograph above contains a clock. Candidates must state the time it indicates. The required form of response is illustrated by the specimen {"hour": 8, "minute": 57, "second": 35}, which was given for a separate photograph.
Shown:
{"hour": 4, "minute": 38, "second": 13}
